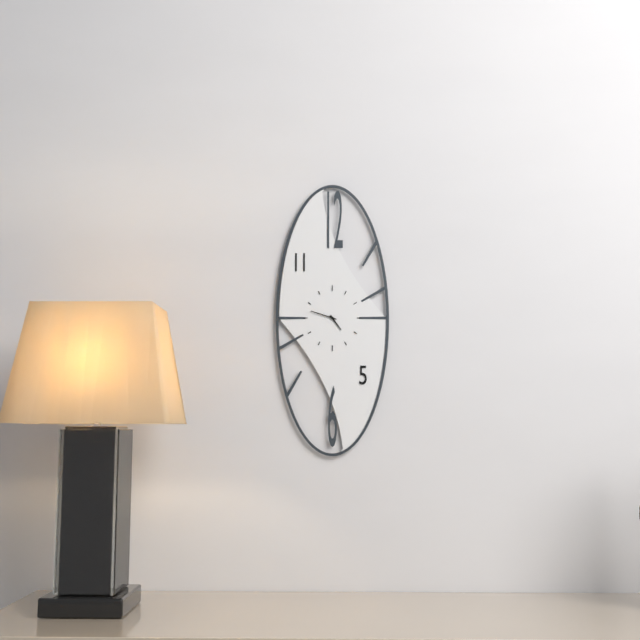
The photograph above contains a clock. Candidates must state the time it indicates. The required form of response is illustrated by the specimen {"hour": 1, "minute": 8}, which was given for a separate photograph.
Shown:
{"hour": 4, "minute": 48}
